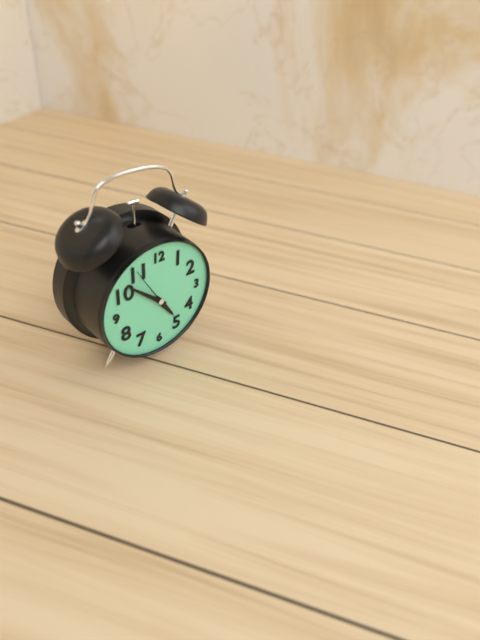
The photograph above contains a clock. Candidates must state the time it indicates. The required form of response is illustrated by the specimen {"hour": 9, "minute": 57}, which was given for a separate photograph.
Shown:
{"hour": 4, "minute": 52}
